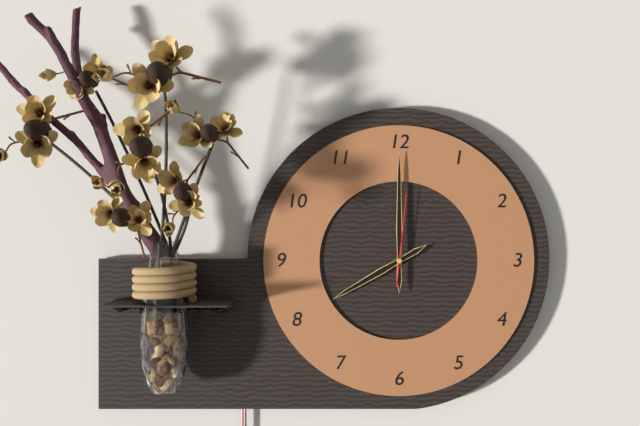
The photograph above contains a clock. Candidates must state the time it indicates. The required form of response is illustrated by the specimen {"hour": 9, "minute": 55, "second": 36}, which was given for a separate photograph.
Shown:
{"hour": 8, "minute": 0, "second": 1}
